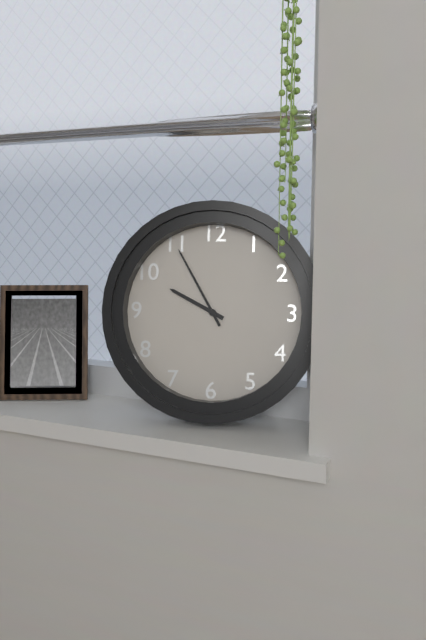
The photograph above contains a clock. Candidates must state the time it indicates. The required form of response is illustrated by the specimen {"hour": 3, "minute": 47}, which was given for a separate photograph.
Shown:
{"hour": 9, "minute": 55}
